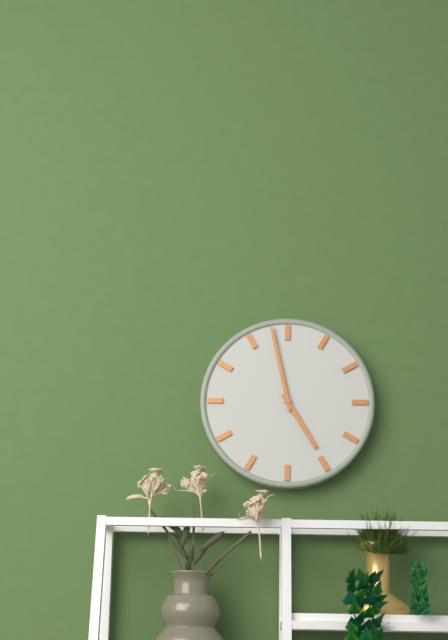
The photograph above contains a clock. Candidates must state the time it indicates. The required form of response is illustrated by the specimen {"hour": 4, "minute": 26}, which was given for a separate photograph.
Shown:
{"hour": 4, "minute": 58}
